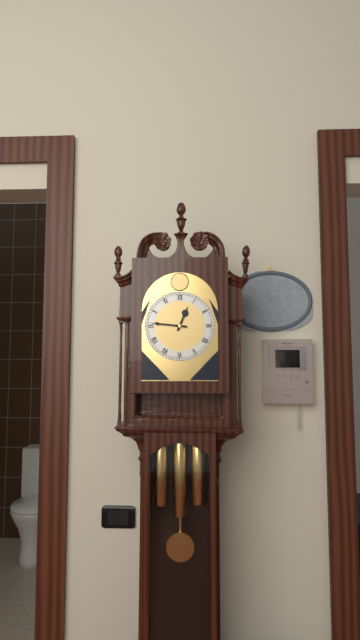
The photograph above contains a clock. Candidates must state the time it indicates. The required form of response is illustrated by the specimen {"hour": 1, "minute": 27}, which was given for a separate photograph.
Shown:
{"hour": 12, "minute": 46}
